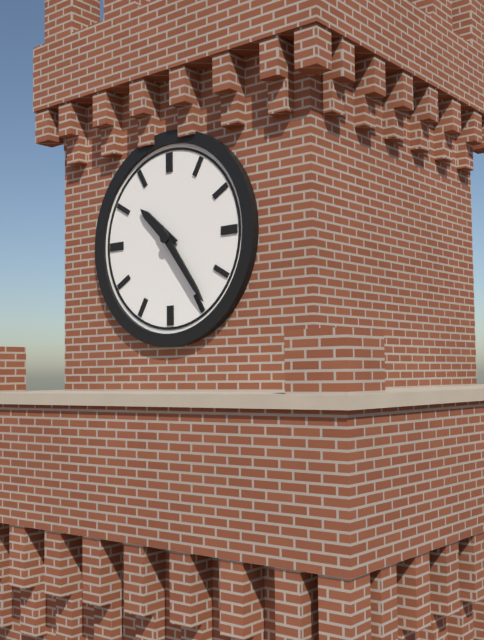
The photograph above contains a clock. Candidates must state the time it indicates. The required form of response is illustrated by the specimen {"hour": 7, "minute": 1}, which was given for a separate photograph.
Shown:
{"hour": 10, "minute": 24}
